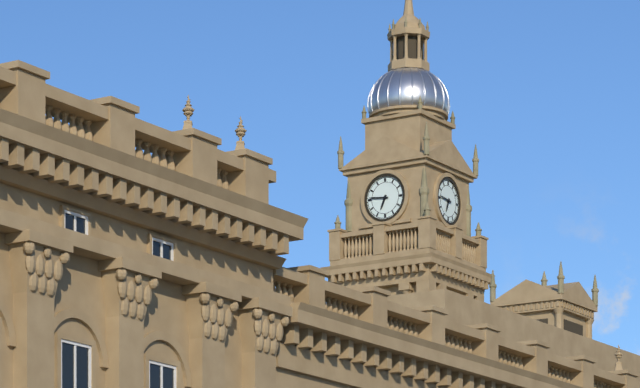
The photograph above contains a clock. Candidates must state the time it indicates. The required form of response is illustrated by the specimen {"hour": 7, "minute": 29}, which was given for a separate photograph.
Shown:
{"hour": 6, "minute": 46}
